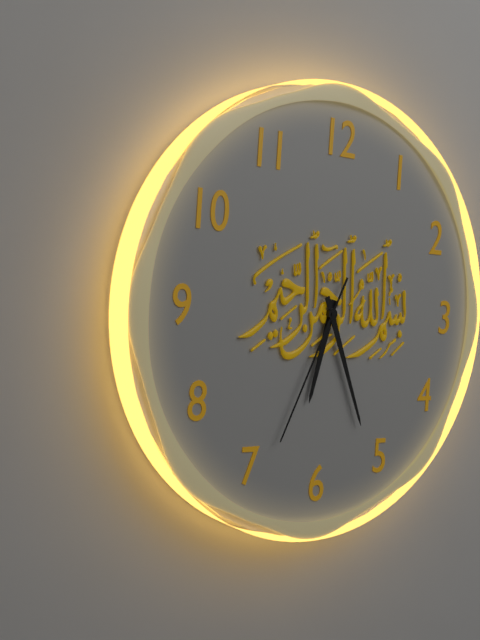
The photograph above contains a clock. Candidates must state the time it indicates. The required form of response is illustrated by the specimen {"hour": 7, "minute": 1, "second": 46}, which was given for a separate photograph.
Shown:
{"hour": 6, "minute": 26, "second": 34}
